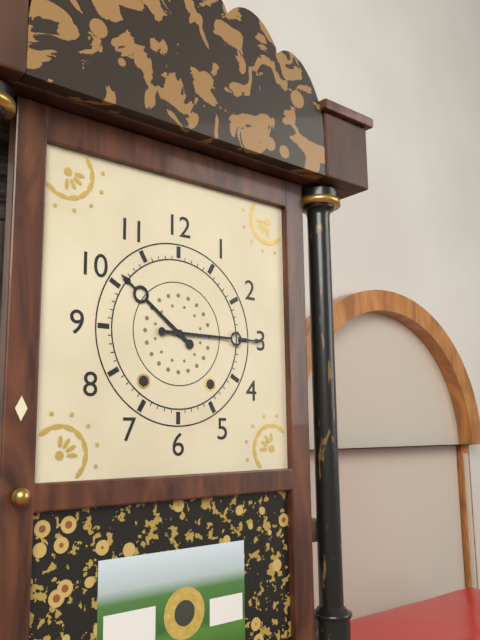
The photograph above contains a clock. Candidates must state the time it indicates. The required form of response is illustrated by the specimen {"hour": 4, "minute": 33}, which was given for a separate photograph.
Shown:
{"hour": 10, "minute": 15}
